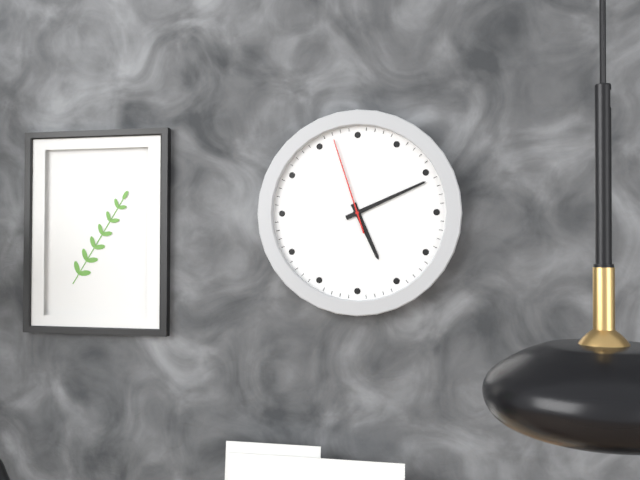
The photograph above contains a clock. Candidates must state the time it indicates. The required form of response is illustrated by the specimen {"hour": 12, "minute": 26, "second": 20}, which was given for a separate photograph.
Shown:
{"hour": 5, "minute": 11, "second": 57}
